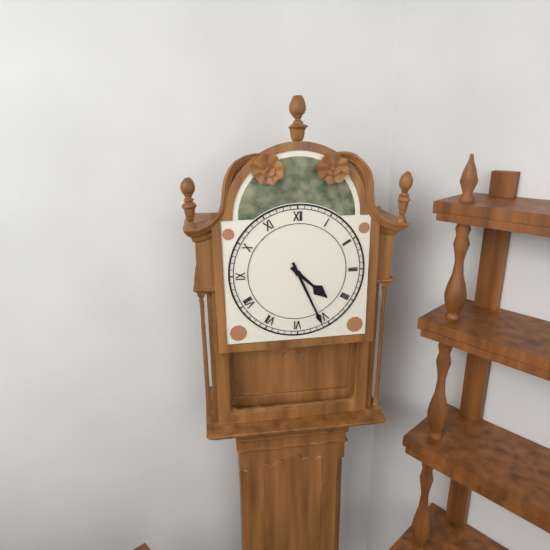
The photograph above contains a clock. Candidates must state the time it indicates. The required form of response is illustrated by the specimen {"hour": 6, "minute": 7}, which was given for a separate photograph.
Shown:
{"hour": 4, "minute": 26}
